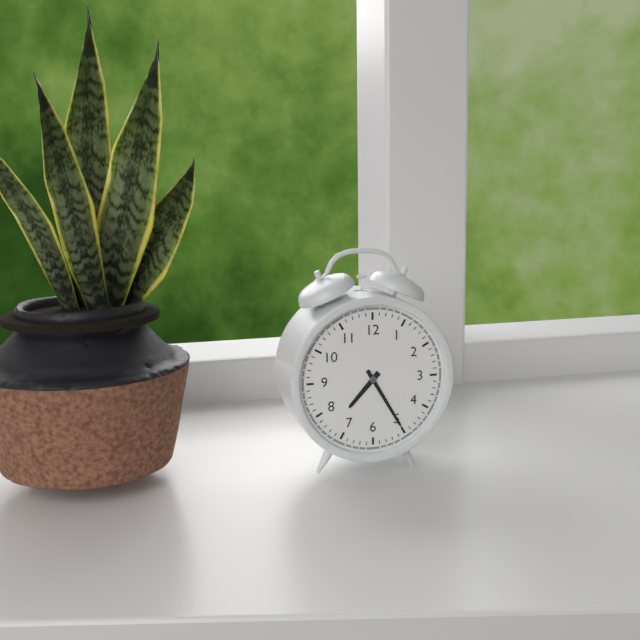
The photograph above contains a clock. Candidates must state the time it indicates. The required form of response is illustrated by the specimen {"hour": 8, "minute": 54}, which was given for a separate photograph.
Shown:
{"hour": 7, "minute": 25}
